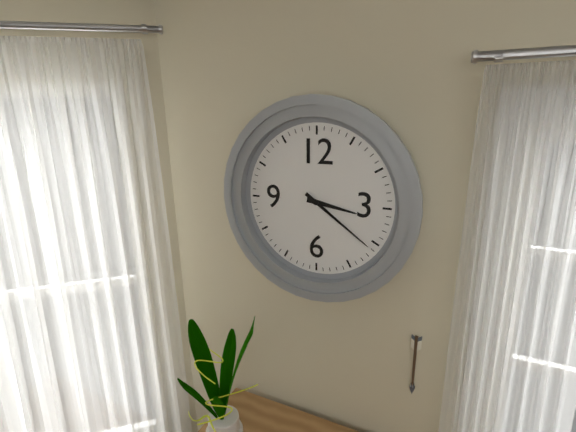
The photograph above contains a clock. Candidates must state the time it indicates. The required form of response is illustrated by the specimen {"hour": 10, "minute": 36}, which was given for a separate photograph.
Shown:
{"hour": 3, "minute": 21}
